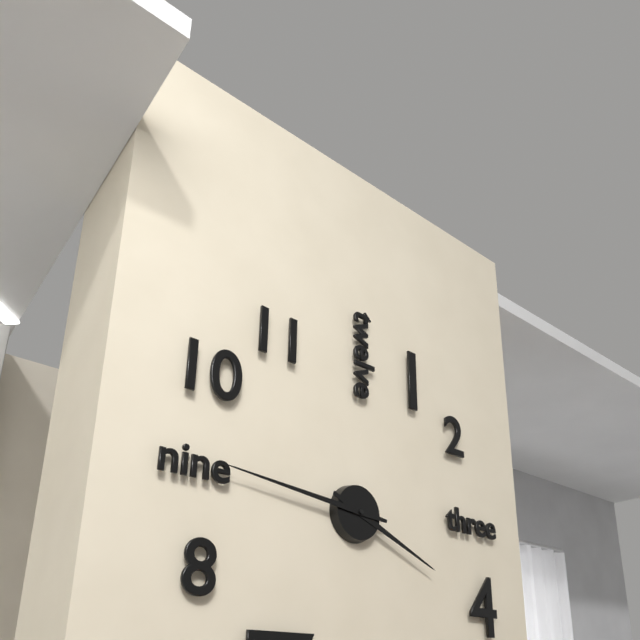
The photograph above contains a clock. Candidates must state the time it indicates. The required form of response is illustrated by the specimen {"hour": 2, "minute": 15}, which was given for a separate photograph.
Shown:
{"hour": 3, "minute": 46}
